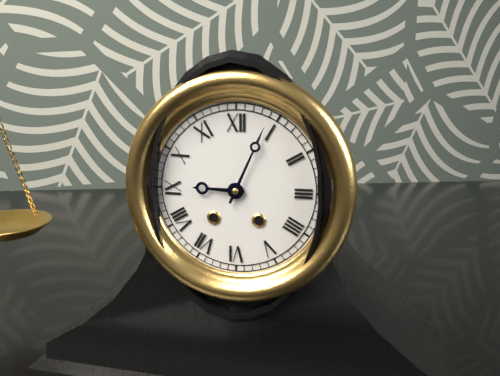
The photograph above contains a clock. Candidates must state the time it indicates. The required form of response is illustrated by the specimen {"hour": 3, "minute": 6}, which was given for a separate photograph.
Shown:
{"hour": 9, "minute": 4}
